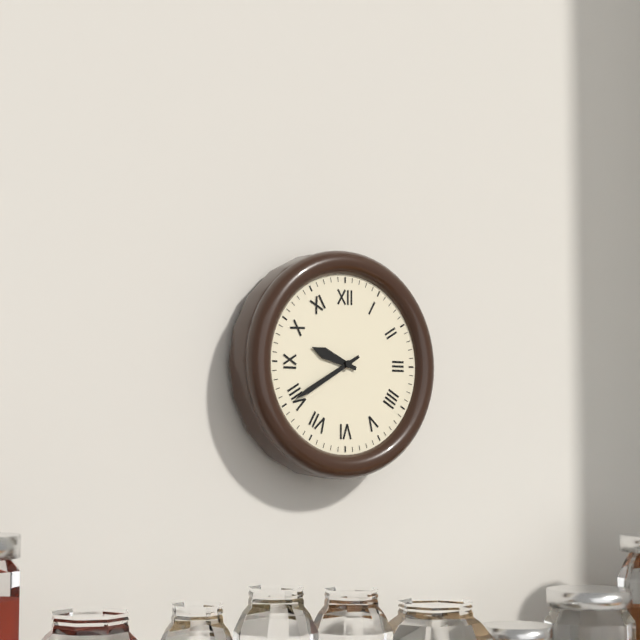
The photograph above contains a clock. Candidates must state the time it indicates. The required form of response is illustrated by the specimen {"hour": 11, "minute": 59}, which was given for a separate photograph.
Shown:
{"hour": 9, "minute": 40}
